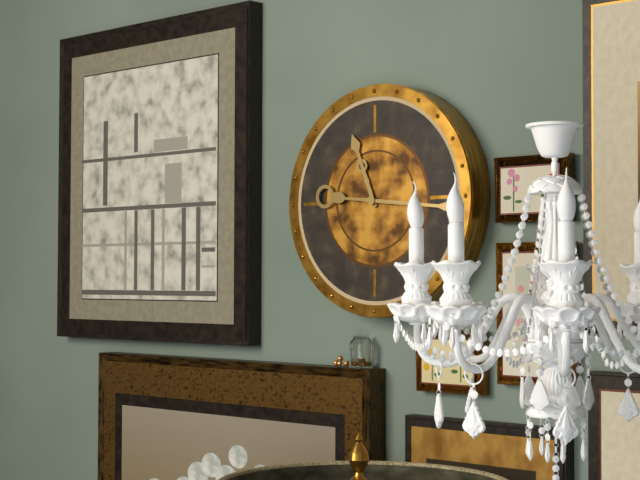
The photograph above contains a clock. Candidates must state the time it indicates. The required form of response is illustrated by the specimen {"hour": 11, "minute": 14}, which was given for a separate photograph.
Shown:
{"hour": 11, "minute": 16}
